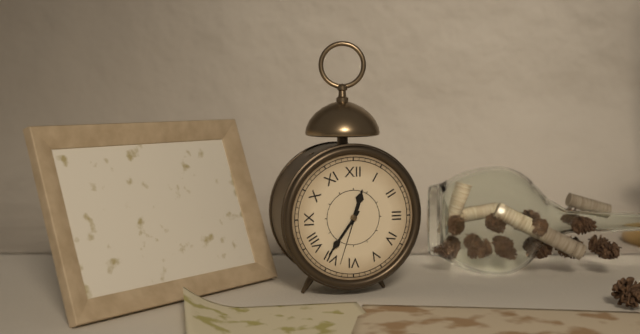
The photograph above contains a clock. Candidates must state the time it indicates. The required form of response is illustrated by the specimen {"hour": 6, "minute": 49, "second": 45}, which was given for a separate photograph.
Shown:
{"hour": 12, "minute": 36, "second": 33}
